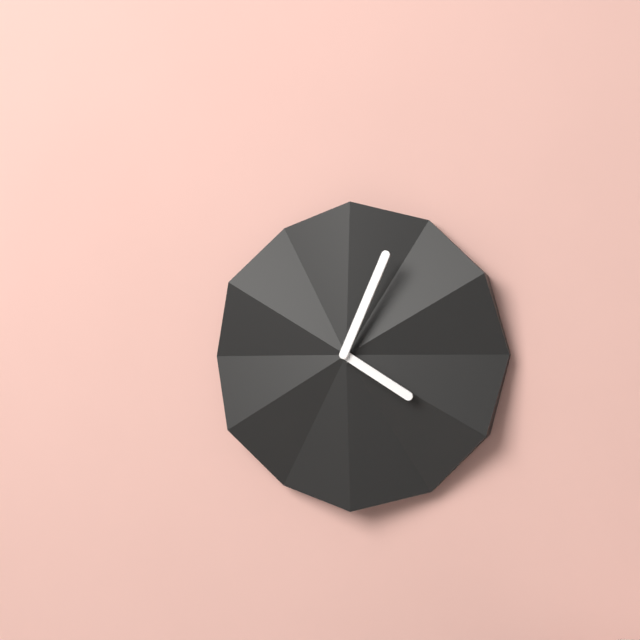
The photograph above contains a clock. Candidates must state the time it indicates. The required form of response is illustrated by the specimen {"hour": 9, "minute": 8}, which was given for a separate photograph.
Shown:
{"hour": 4, "minute": 4}
